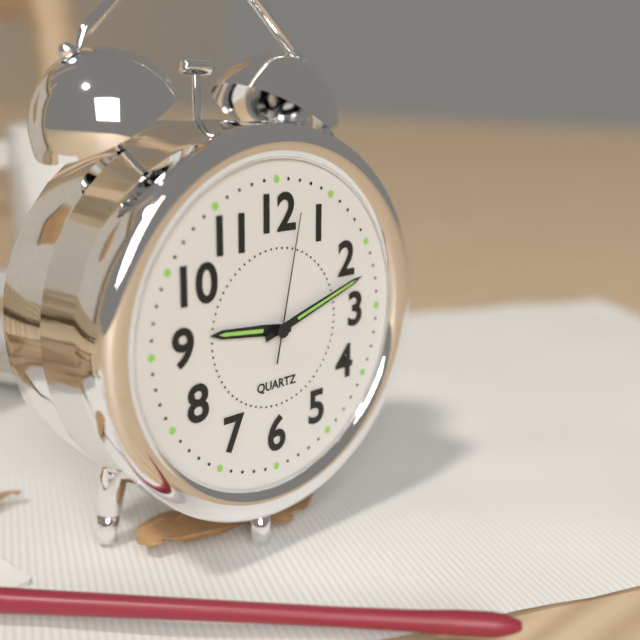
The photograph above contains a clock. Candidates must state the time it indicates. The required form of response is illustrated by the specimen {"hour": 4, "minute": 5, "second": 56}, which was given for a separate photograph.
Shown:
{"hour": 9, "minute": 12, "second": 2}
